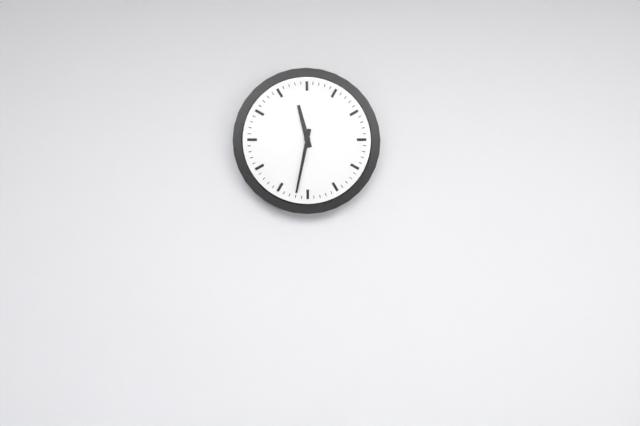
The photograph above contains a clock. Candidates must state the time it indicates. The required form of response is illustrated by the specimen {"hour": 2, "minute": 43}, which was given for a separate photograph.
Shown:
{"hour": 11, "minute": 32}
